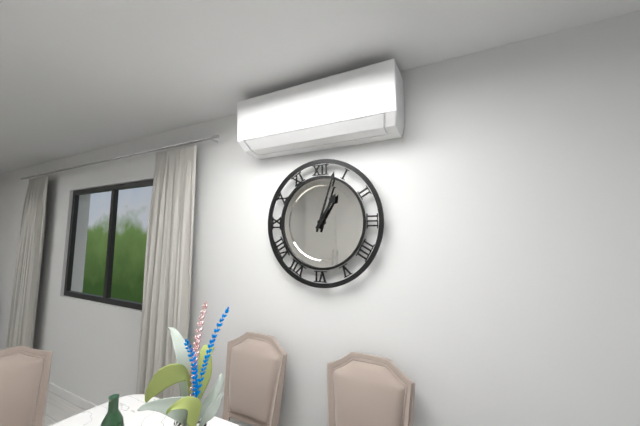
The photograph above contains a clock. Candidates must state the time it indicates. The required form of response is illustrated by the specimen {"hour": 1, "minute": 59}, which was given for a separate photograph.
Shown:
{"hour": 1, "minute": 3}
